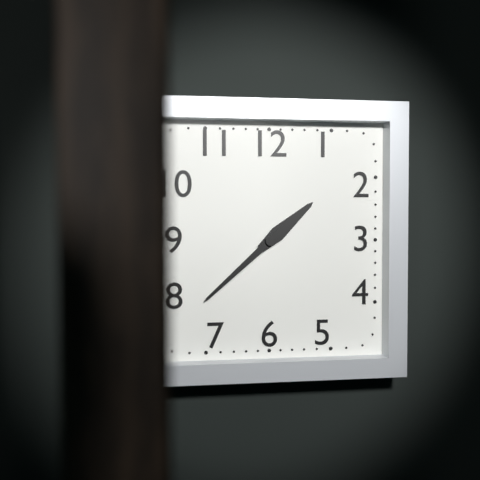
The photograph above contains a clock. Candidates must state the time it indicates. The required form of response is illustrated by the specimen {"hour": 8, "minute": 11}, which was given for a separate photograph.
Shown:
{"hour": 1, "minute": 38}
